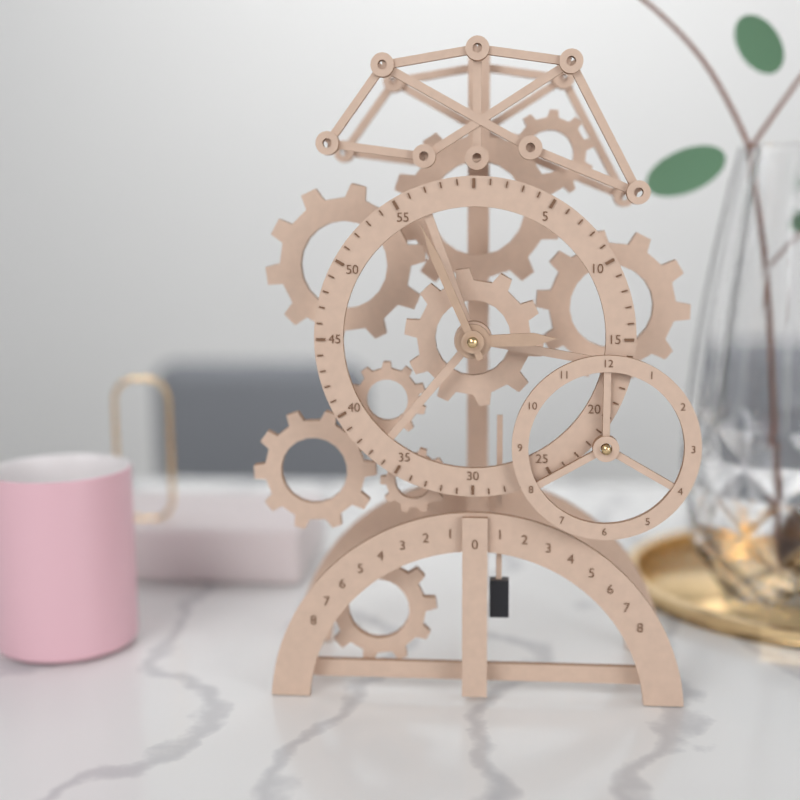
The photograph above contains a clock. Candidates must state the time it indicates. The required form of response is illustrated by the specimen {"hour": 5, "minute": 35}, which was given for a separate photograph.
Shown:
{"hour": 2, "minute": 56}
